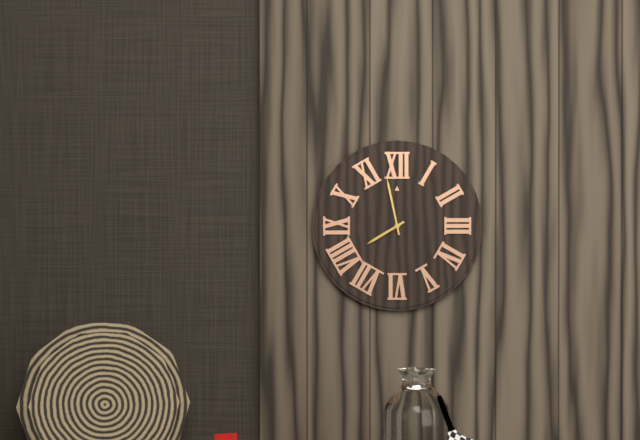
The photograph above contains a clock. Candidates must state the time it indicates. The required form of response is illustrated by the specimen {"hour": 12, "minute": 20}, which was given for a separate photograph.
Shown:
{"hour": 7, "minute": 58}
